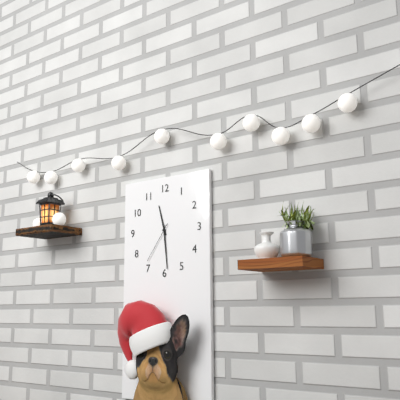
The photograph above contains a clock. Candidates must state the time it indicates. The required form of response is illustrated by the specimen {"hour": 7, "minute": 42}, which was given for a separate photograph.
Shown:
{"hour": 11, "minute": 29}
